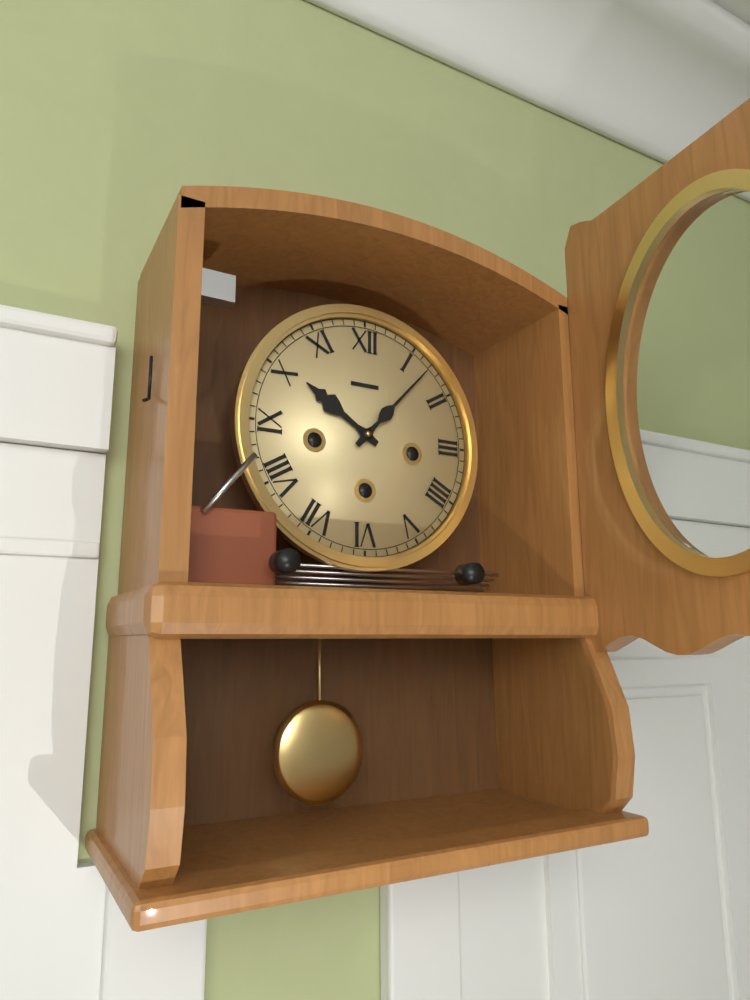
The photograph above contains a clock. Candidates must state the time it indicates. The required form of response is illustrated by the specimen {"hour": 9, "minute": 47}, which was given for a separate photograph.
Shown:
{"hour": 10, "minute": 7}
